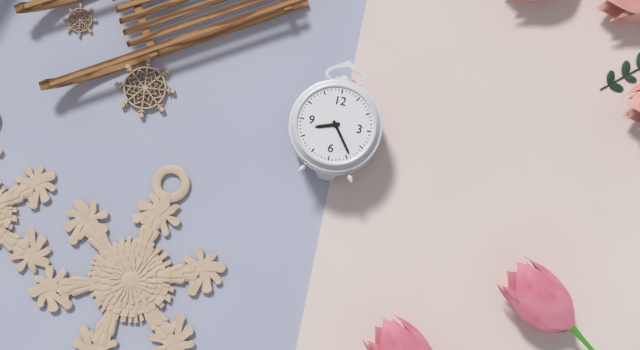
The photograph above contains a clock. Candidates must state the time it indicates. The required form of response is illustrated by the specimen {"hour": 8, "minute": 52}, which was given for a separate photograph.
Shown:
{"hour": 8, "minute": 24}
